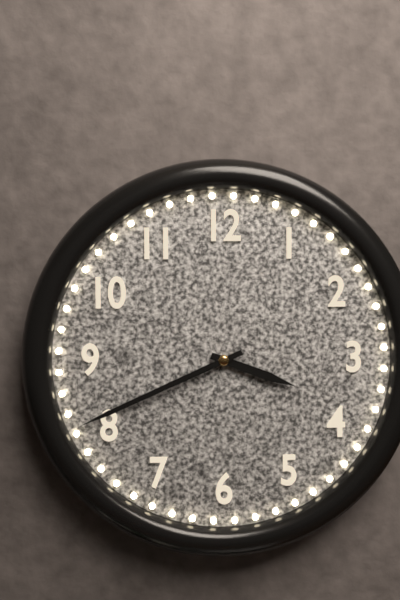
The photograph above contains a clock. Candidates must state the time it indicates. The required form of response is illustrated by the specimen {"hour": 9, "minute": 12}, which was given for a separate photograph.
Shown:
{"hour": 3, "minute": 41}
